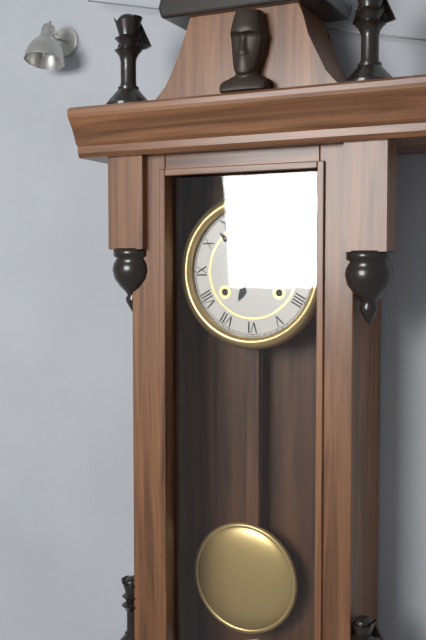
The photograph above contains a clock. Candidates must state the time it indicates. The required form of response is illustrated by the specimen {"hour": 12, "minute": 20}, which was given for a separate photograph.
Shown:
{"hour": 6, "minute": 53}
